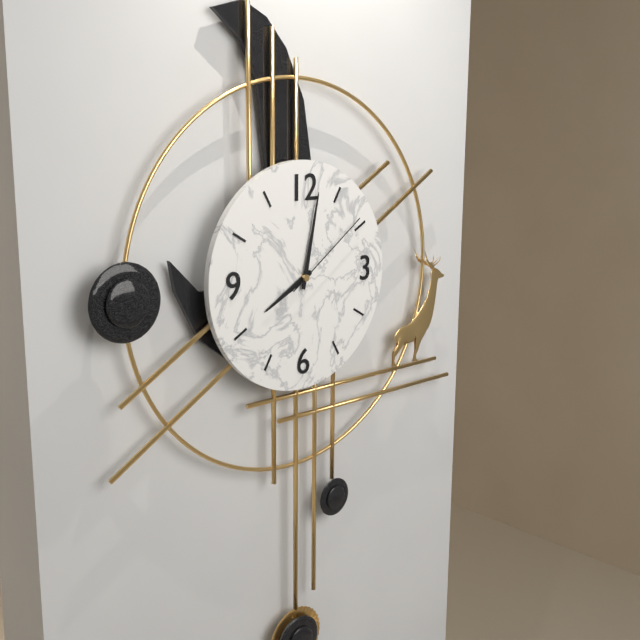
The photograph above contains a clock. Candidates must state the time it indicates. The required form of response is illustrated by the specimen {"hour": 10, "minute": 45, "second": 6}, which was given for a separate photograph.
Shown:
{"hour": 8, "minute": 2, "second": 9}
